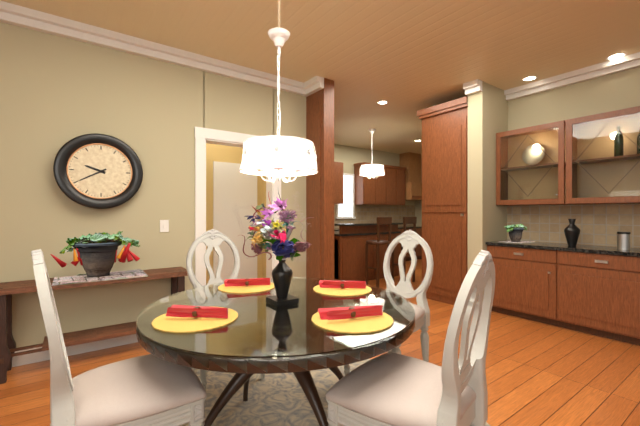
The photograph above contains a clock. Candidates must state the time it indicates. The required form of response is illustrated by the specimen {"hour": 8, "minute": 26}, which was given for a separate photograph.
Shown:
{"hour": 9, "minute": 40}
